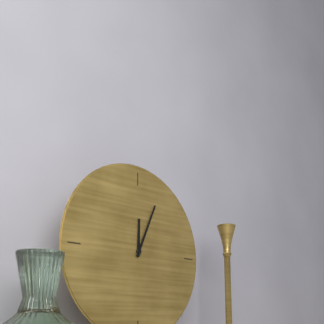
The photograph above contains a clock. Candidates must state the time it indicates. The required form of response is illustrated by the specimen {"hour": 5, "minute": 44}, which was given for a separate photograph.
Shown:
{"hour": 12, "minute": 4}
